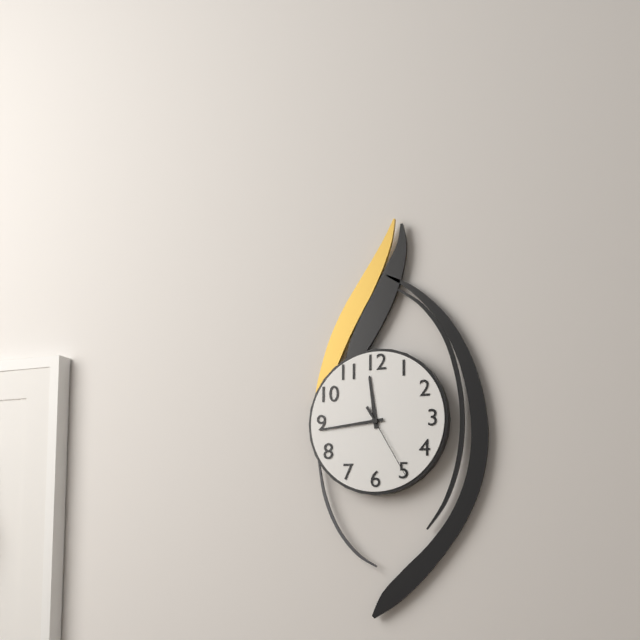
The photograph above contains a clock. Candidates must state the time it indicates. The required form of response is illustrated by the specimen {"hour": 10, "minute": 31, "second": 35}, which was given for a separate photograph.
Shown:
{"hour": 11, "minute": 44, "second": 25}
